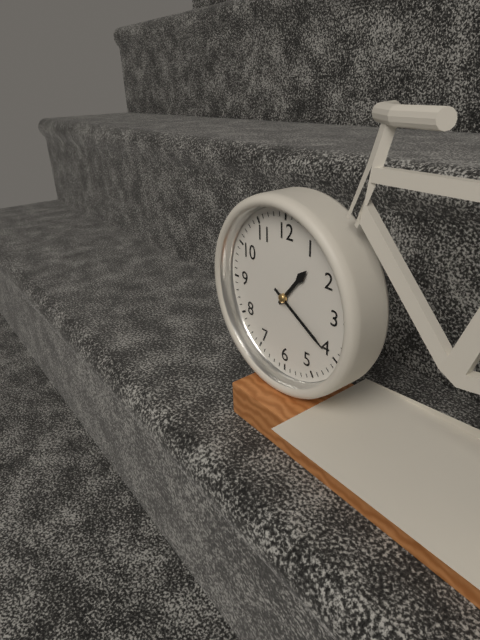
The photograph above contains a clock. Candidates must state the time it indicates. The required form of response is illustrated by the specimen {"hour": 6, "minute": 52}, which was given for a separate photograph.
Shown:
{"hour": 1, "minute": 20}
